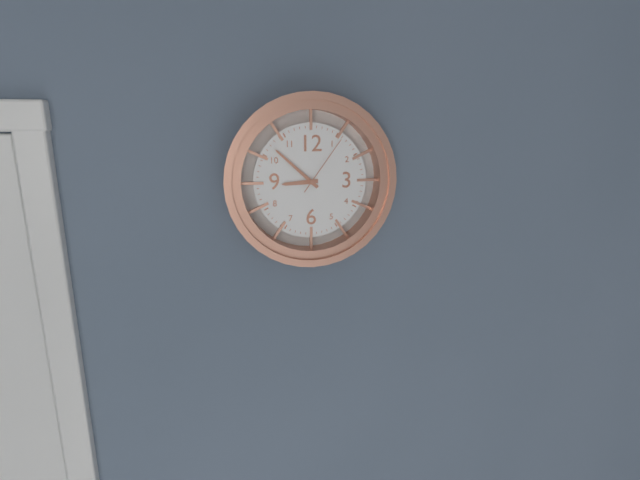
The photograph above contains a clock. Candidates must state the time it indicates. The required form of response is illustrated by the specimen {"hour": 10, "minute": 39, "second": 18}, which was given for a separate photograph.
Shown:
{"hour": 8, "minute": 52, "second": 6}
